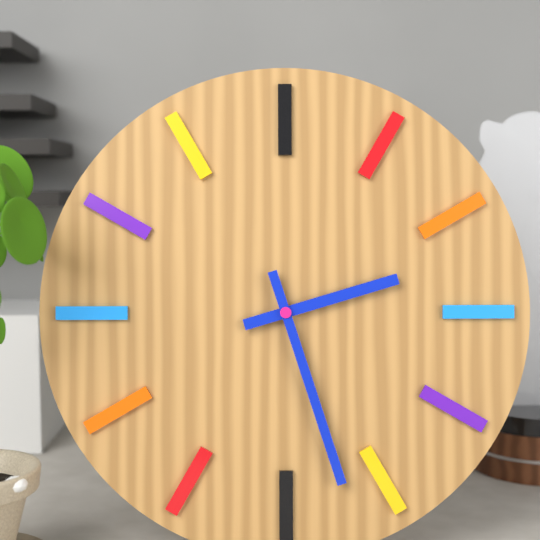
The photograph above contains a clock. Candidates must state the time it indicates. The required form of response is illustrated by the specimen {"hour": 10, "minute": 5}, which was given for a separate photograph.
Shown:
{"hour": 2, "minute": 27}
